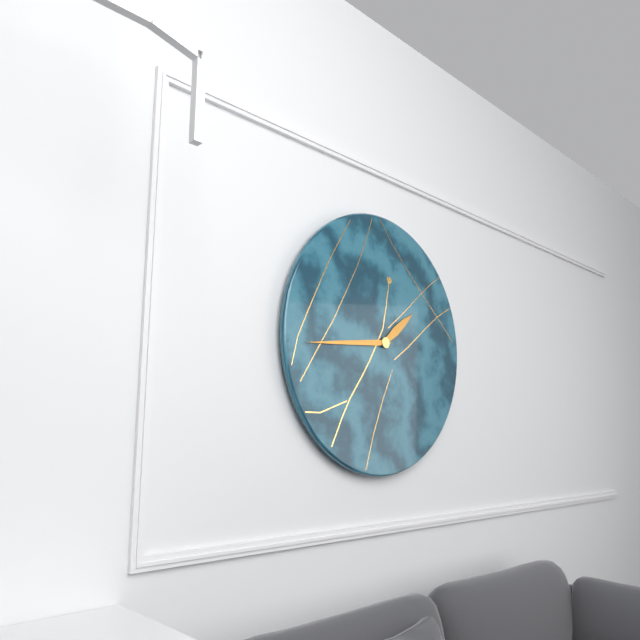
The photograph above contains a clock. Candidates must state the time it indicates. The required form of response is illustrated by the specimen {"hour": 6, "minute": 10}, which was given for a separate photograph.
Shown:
{"hour": 1, "minute": 44}
